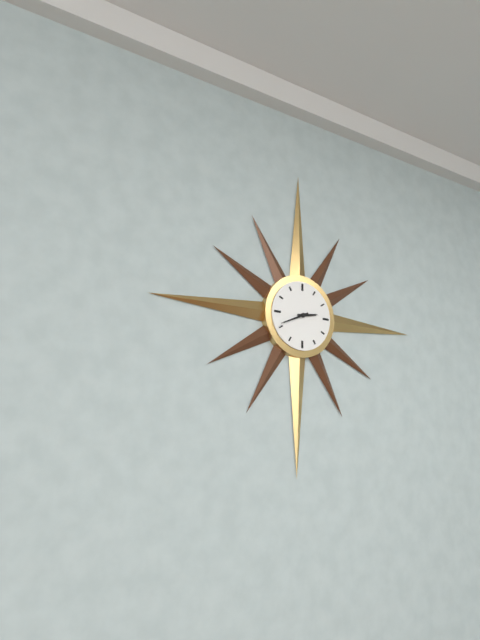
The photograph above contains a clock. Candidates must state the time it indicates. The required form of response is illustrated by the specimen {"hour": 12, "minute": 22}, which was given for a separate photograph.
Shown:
{"hour": 2, "minute": 41}
